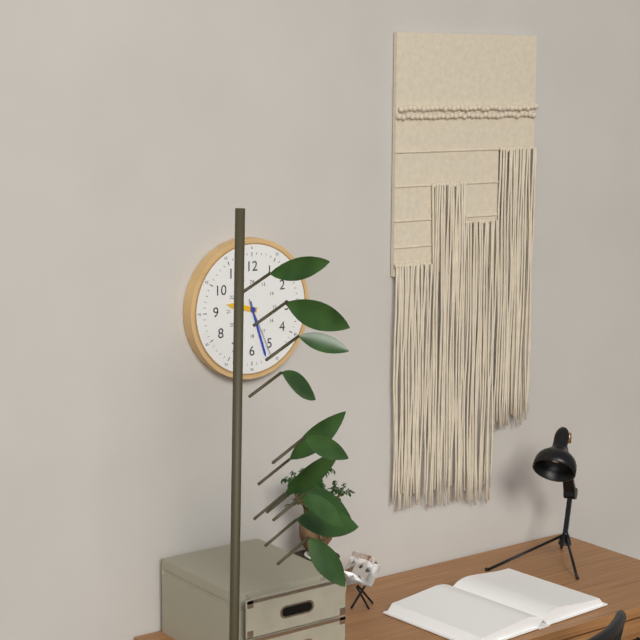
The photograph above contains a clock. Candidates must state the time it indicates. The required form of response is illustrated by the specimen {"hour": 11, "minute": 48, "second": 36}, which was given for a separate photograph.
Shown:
{"hour": 9, "minute": 27, "second": 26}
